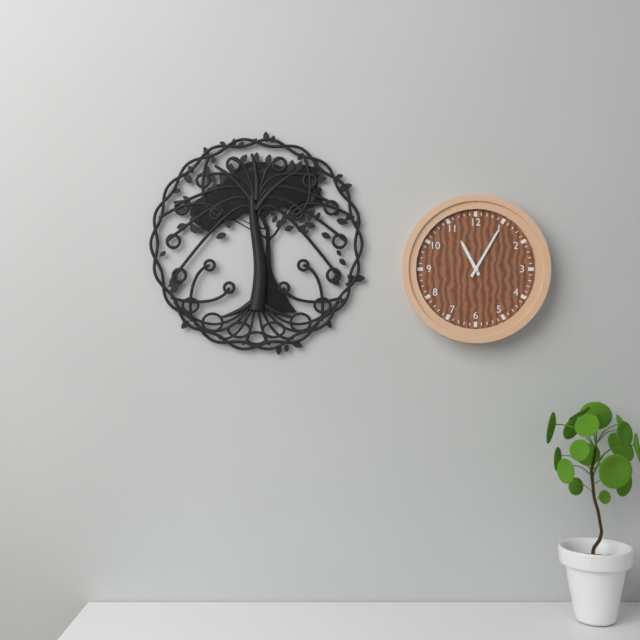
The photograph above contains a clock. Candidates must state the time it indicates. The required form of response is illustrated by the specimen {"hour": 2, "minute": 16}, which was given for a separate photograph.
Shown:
{"hour": 11, "minute": 5}
